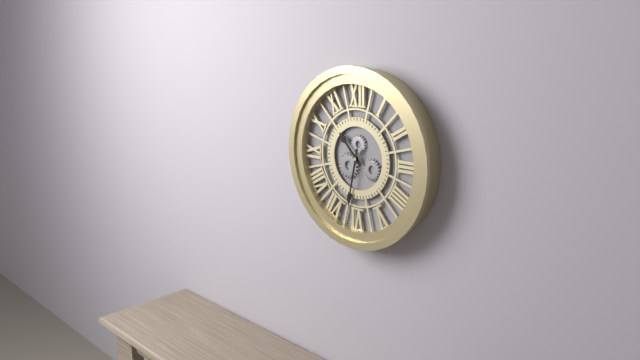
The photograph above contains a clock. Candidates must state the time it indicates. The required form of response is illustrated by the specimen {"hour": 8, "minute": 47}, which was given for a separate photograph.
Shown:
{"hour": 10, "minute": 32}
